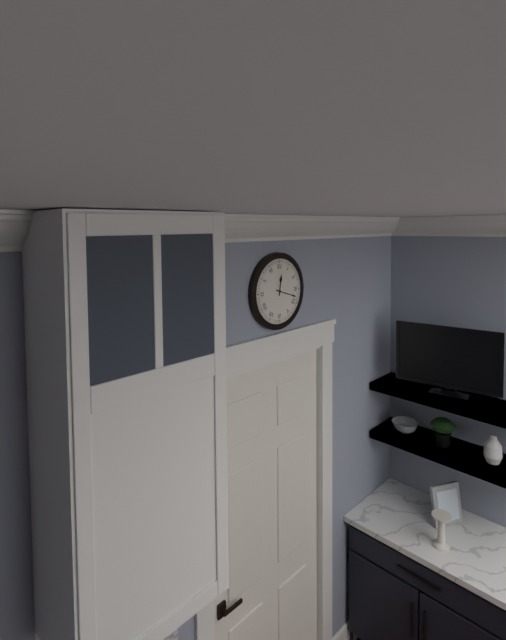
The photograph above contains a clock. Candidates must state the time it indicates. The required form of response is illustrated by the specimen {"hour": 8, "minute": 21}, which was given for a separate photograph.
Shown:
{"hour": 12, "minute": 18}
